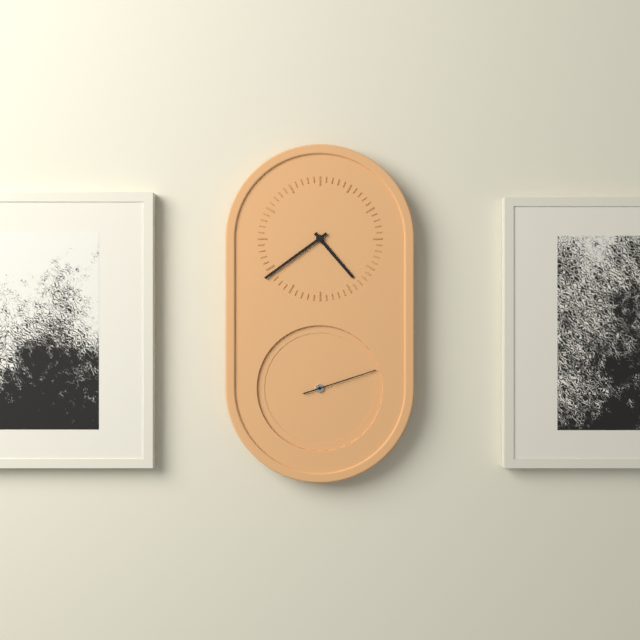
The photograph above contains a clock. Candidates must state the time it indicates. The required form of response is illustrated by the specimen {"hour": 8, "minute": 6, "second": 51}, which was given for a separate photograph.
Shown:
{"hour": 4, "minute": 39, "second": 12}
